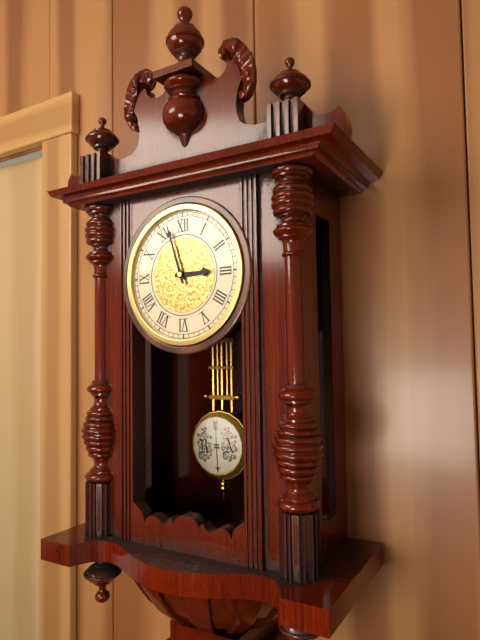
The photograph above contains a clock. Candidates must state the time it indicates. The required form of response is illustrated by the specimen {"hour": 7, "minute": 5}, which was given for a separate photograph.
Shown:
{"hour": 2, "minute": 57}
